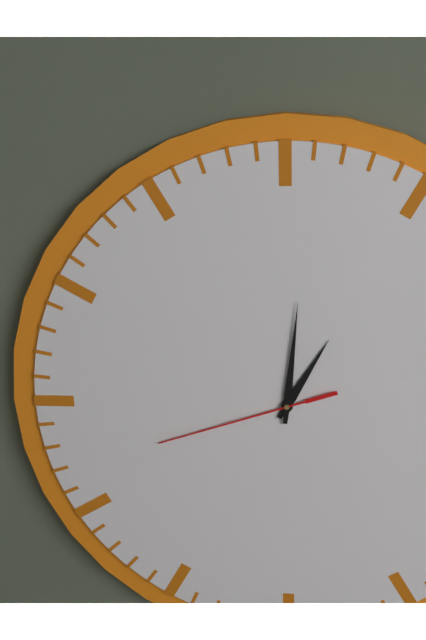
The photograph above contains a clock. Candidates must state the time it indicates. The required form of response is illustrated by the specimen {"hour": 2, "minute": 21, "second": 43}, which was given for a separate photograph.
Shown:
{"hour": 1, "minute": 1, "second": 42}
